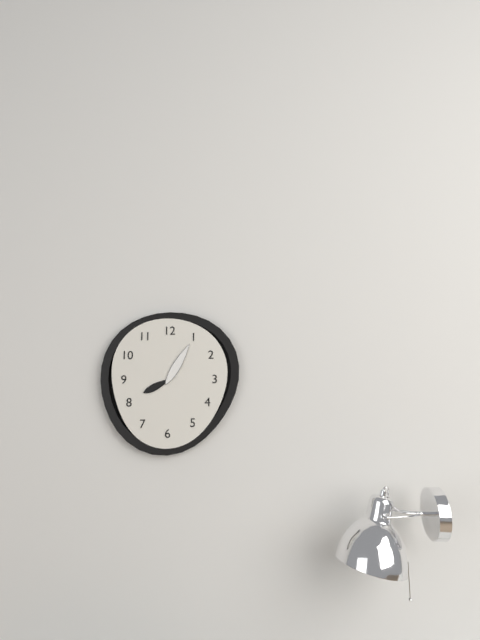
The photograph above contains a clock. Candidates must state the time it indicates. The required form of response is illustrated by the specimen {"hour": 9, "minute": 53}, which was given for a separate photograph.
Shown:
{"hour": 8, "minute": 5}
